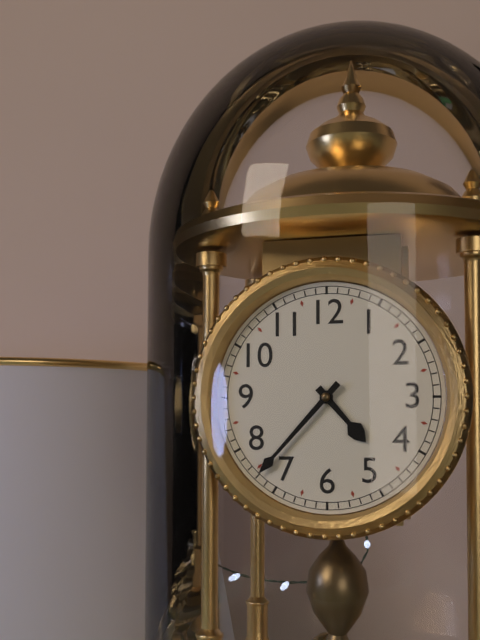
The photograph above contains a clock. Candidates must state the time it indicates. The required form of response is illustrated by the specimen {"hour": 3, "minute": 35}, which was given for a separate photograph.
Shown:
{"hour": 4, "minute": 37}
